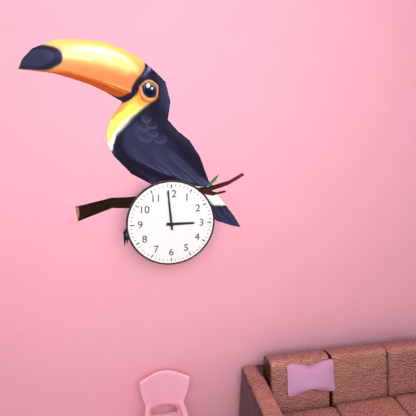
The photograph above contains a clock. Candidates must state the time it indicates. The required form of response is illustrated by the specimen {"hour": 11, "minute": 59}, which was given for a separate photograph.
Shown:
{"hour": 2, "minute": 59}
